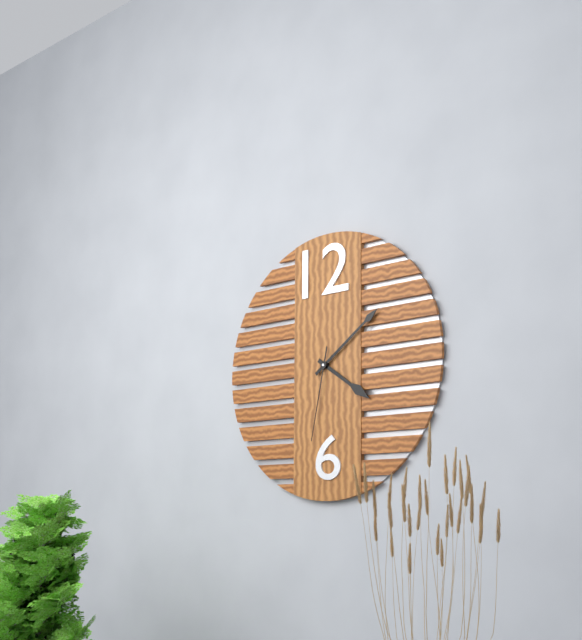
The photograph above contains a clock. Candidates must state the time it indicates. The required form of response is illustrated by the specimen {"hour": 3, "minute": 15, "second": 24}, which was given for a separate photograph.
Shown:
{"hour": 4, "minute": 9, "second": 32}
